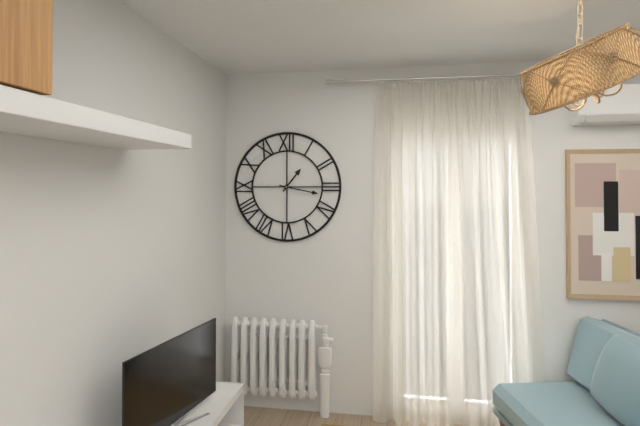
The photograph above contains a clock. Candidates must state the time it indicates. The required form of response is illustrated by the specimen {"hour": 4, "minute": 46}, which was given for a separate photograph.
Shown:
{"hour": 1, "minute": 17}
